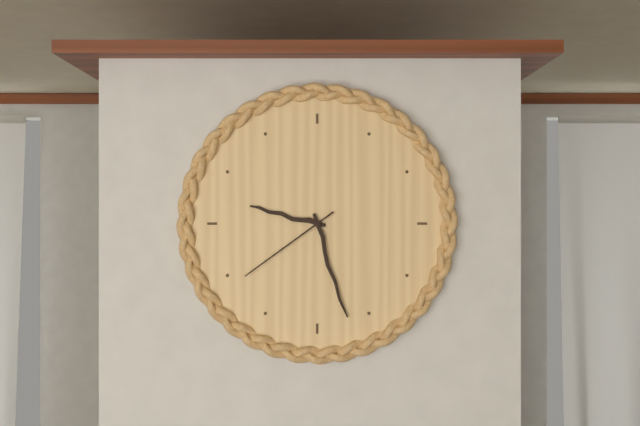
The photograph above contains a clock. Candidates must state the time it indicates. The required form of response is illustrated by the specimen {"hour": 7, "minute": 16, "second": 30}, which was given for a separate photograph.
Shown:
{"hour": 9, "minute": 27, "second": 39}
